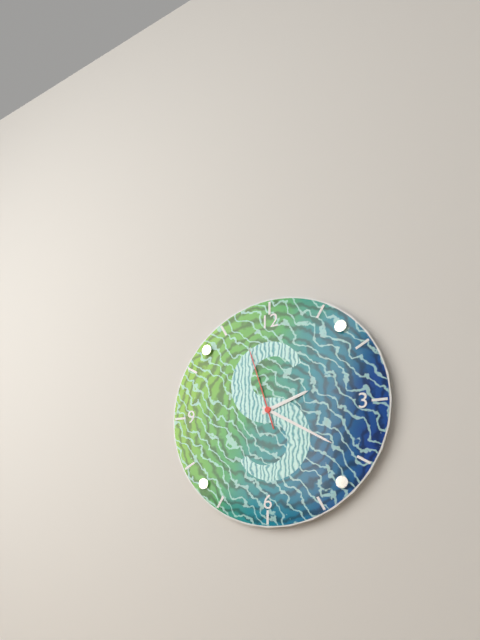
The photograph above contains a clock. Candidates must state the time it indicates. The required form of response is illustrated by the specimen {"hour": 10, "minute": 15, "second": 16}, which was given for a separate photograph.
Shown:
{"hour": 2, "minute": 20, "second": 57}
